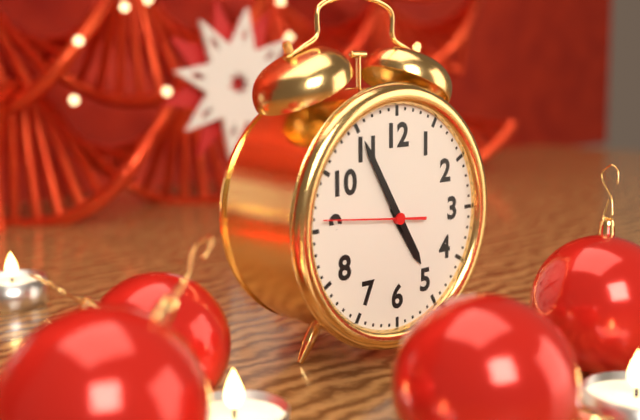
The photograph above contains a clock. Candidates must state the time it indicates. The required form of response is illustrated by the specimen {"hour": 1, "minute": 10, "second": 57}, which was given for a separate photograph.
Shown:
{"hour": 4, "minute": 55, "second": 46}
